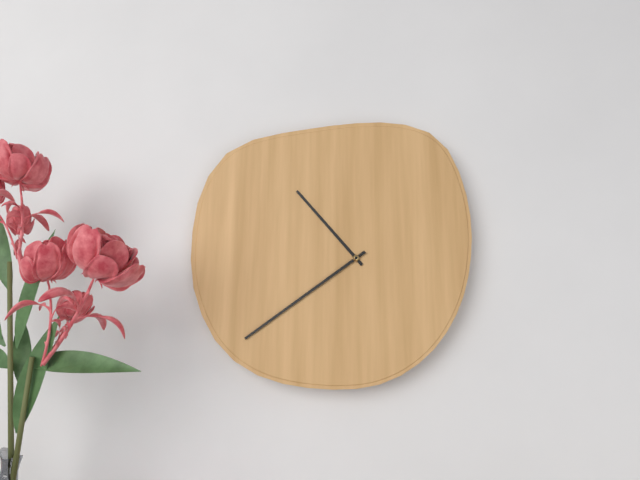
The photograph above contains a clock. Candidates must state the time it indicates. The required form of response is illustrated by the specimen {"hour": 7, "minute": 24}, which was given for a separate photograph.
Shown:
{"hour": 10, "minute": 39}
